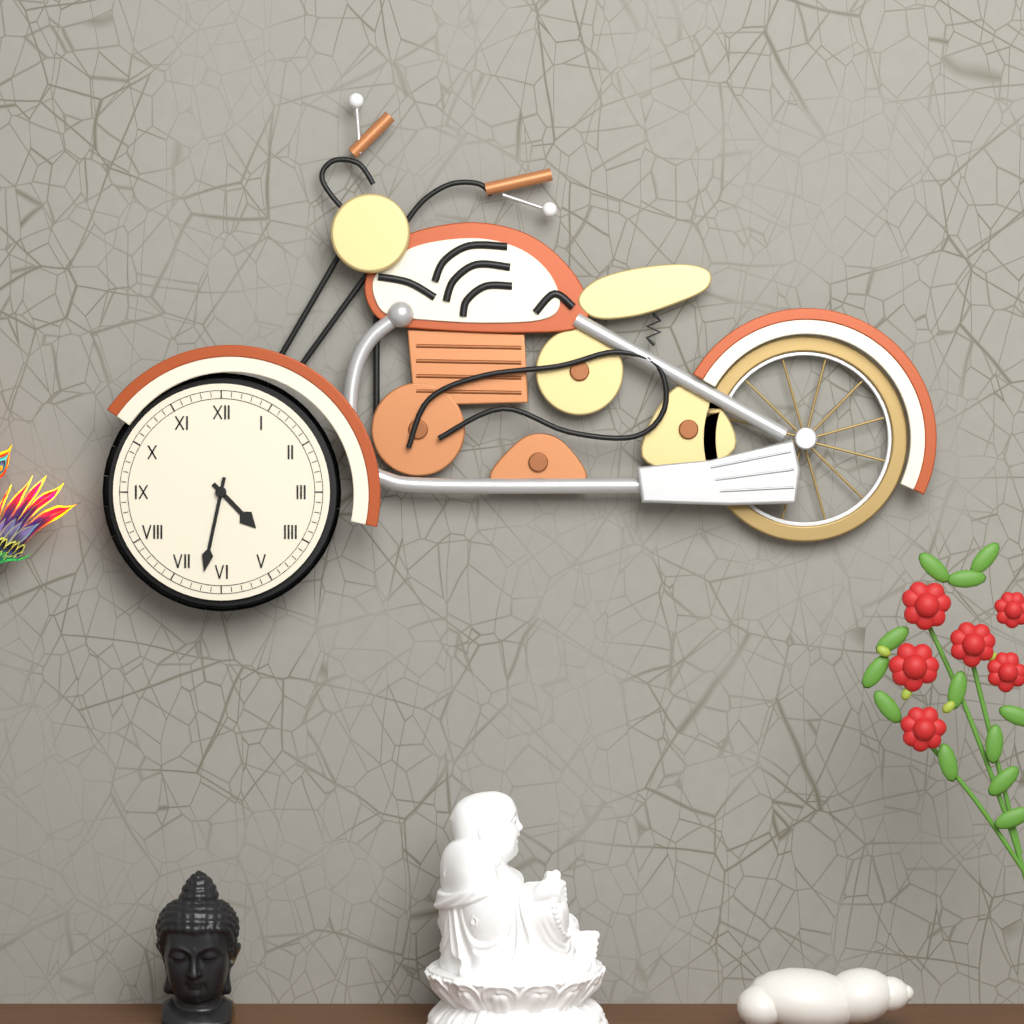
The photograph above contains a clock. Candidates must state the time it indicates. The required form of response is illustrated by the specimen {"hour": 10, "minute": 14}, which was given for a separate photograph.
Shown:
{"hour": 4, "minute": 32}
